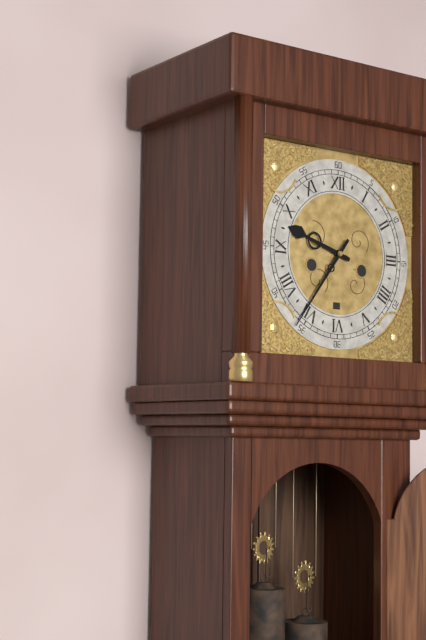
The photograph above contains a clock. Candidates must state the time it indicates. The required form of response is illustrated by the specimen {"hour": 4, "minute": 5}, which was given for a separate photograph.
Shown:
{"hour": 9, "minute": 36}
